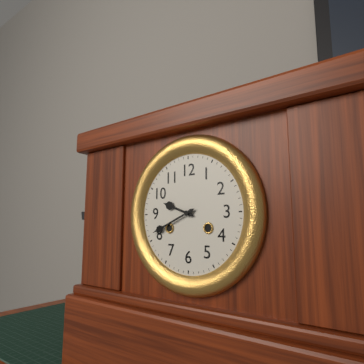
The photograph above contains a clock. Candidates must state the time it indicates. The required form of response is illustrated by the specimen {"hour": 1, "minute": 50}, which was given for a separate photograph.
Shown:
{"hour": 9, "minute": 41}
